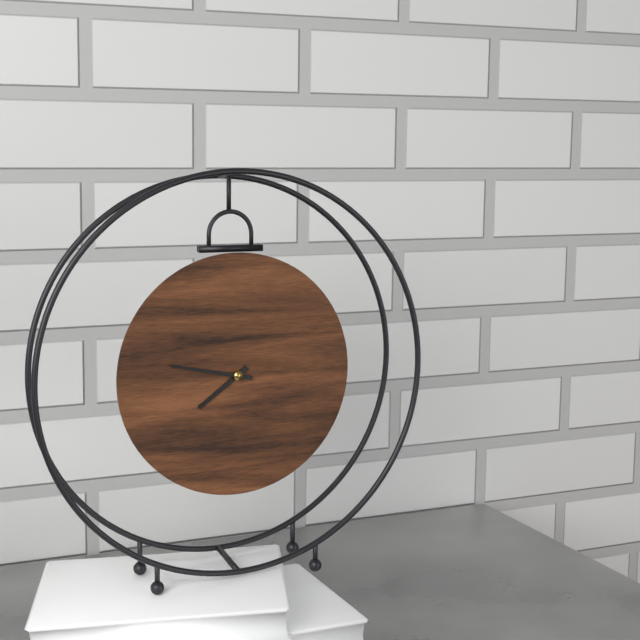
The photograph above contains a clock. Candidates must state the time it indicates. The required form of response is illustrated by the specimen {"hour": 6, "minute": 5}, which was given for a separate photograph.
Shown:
{"hour": 7, "minute": 47}
